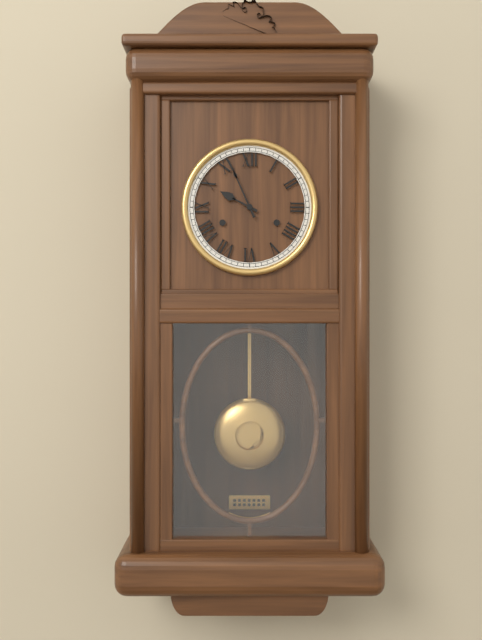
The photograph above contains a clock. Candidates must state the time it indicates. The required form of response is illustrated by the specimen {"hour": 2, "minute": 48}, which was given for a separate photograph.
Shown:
{"hour": 9, "minute": 56}
